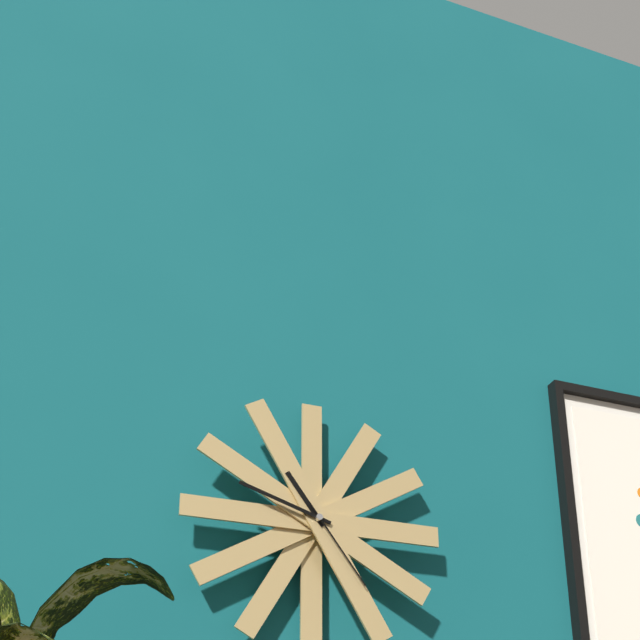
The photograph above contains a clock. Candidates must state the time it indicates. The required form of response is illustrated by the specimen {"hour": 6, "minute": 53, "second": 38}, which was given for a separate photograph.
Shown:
{"hour": 10, "minute": 48, "second": 24}
